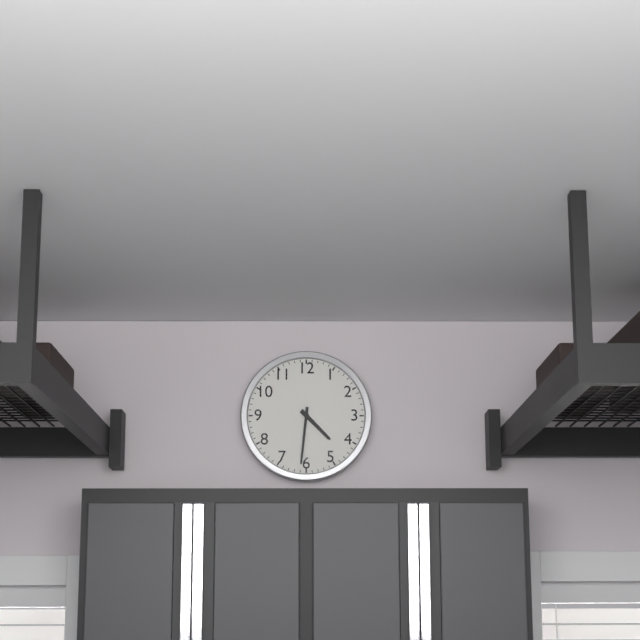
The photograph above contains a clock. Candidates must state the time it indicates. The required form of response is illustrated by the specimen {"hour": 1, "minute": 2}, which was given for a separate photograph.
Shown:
{"hour": 4, "minute": 31}
